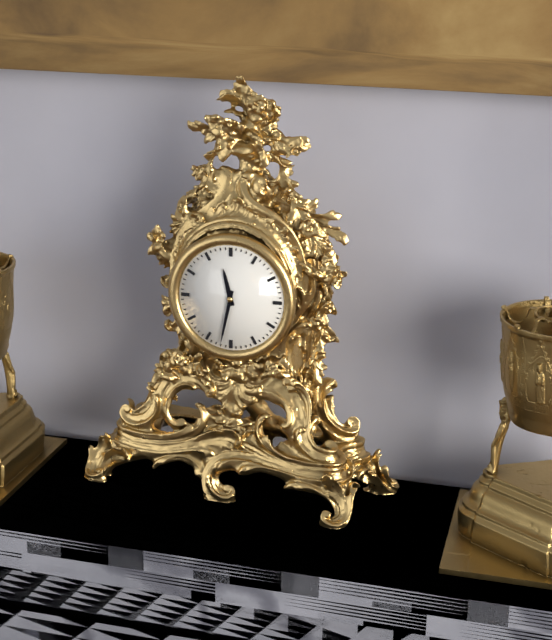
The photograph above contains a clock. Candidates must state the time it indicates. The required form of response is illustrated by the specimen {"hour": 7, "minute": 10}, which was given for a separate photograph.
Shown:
{"hour": 11, "minute": 32}
